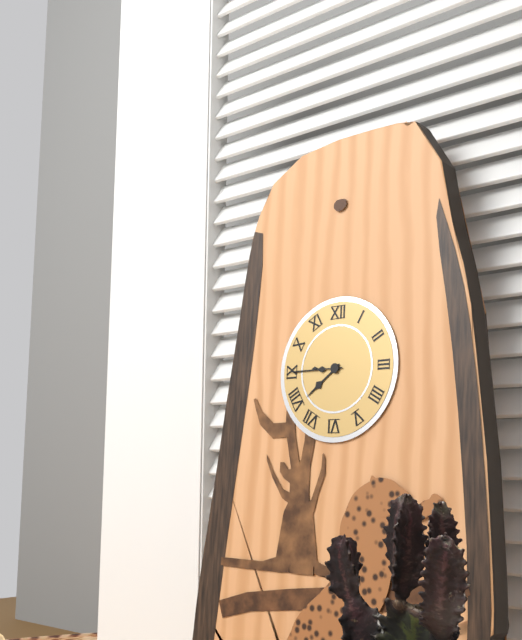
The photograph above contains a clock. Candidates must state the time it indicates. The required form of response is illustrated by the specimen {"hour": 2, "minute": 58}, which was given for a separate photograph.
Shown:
{"hour": 7, "minute": 45}
